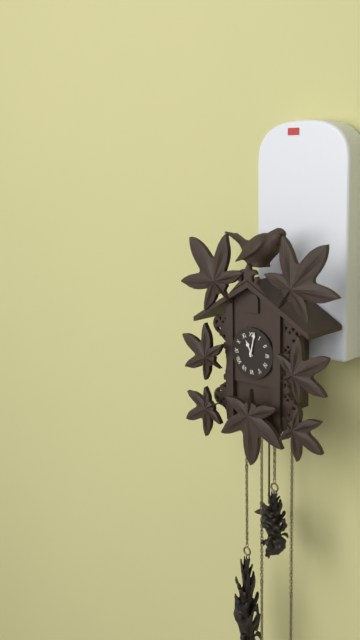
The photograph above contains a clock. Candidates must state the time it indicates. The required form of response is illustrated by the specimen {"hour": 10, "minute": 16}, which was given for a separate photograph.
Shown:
{"hour": 11, "minute": 2}
